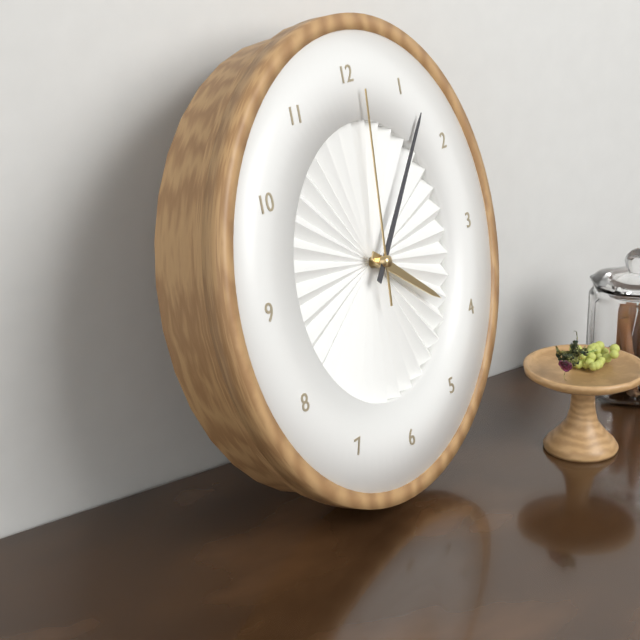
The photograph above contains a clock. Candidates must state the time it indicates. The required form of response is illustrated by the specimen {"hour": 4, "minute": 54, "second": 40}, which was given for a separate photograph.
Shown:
{"hour": 4, "minute": 7, "second": 1}
